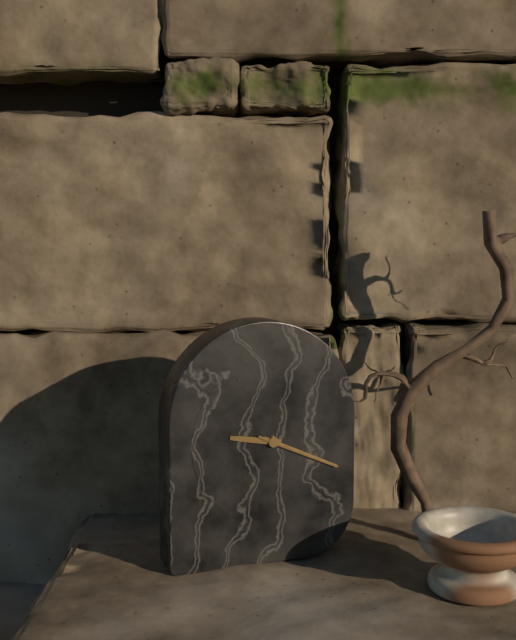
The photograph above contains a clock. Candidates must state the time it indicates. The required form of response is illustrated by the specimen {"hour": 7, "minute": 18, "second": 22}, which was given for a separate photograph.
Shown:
{"hour": 9, "minute": 19, "second": 19}
